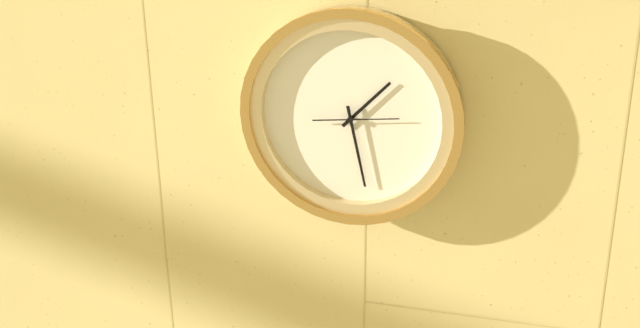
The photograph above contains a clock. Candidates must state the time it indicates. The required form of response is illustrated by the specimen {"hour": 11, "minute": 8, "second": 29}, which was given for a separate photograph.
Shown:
{"hour": 1, "minute": 28, "second": 14}
